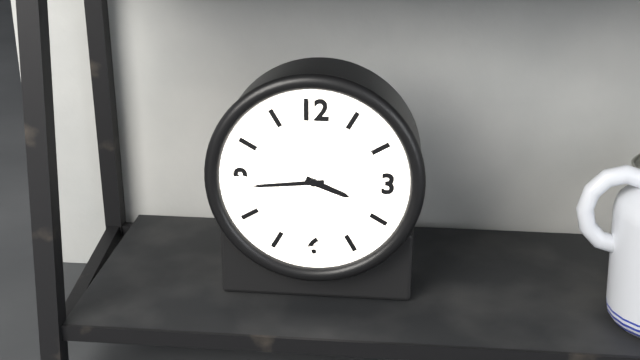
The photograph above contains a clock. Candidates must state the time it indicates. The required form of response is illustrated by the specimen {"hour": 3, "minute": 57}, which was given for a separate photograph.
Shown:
{"hour": 3, "minute": 44}
